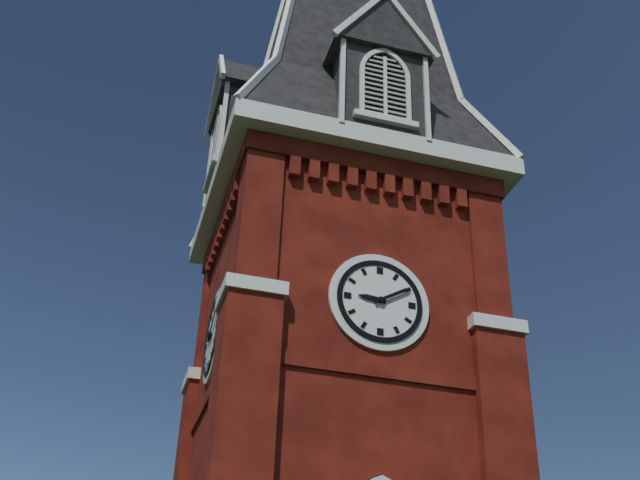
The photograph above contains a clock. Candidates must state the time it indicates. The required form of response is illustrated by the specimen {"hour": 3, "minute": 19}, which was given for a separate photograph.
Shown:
{"hour": 9, "minute": 10}
